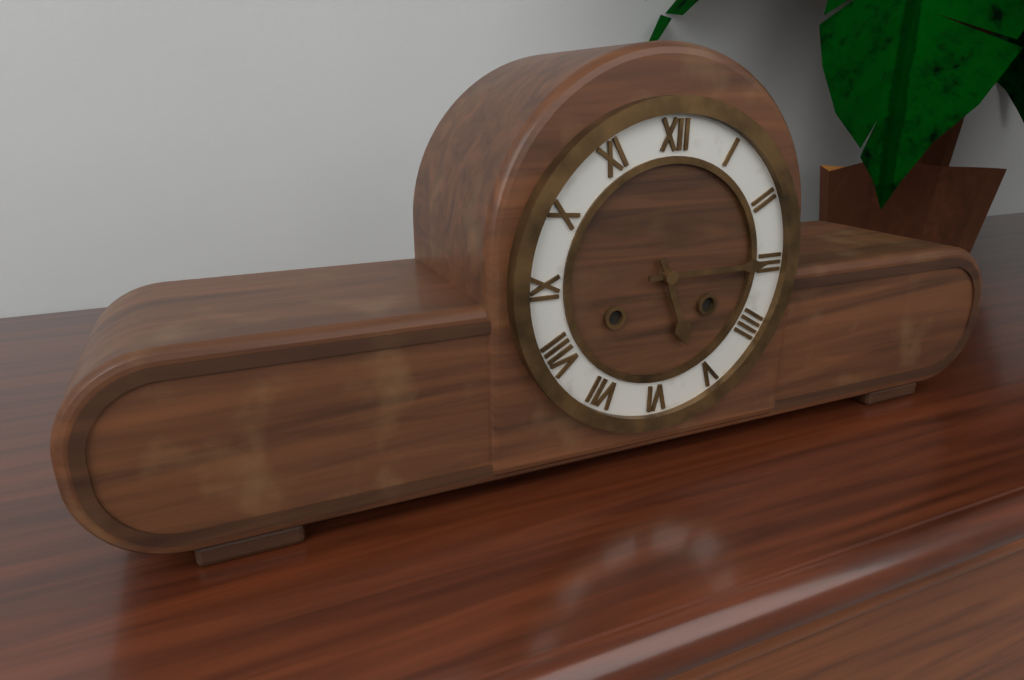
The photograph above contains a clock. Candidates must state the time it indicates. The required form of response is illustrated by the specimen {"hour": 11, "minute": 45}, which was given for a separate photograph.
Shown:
{"hour": 5, "minute": 15}
